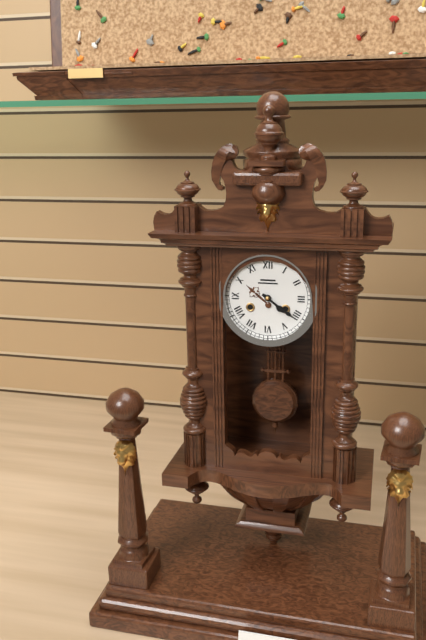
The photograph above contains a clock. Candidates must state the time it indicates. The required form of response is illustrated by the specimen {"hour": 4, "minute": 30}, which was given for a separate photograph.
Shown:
{"hour": 4, "minute": 21}
